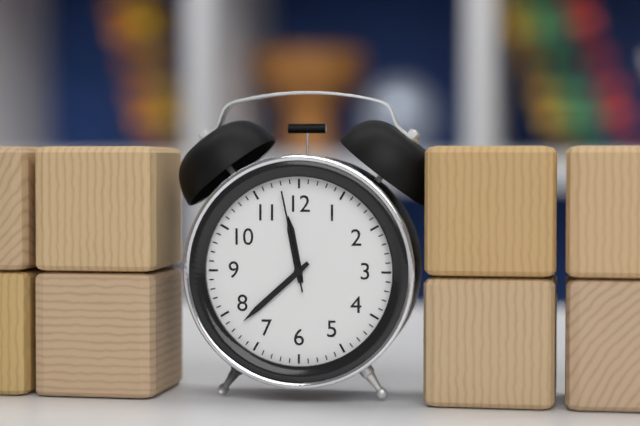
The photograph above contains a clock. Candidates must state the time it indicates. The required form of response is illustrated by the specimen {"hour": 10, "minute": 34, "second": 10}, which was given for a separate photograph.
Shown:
{"hour": 11, "minute": 38, "second": 58}
